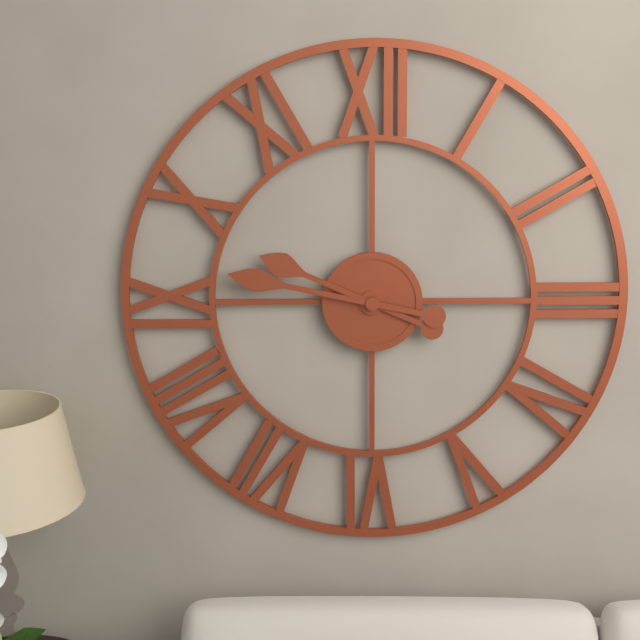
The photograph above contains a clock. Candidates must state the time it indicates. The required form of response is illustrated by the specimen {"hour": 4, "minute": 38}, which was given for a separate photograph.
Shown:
{"hour": 9, "minute": 47}
